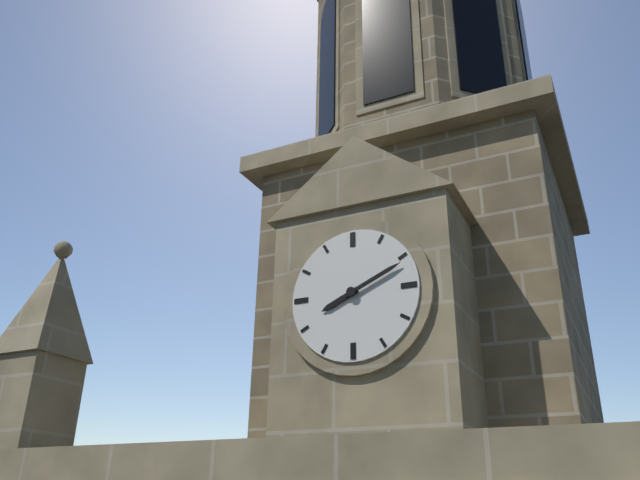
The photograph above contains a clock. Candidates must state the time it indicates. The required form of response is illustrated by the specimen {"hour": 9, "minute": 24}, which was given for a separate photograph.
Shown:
{"hour": 8, "minute": 11}
